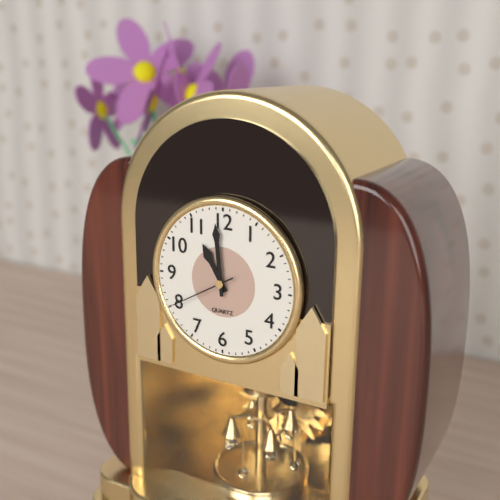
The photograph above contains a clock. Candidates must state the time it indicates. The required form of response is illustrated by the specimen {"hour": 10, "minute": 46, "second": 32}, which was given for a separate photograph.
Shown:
{"hour": 10, "minute": 59, "second": 40}
